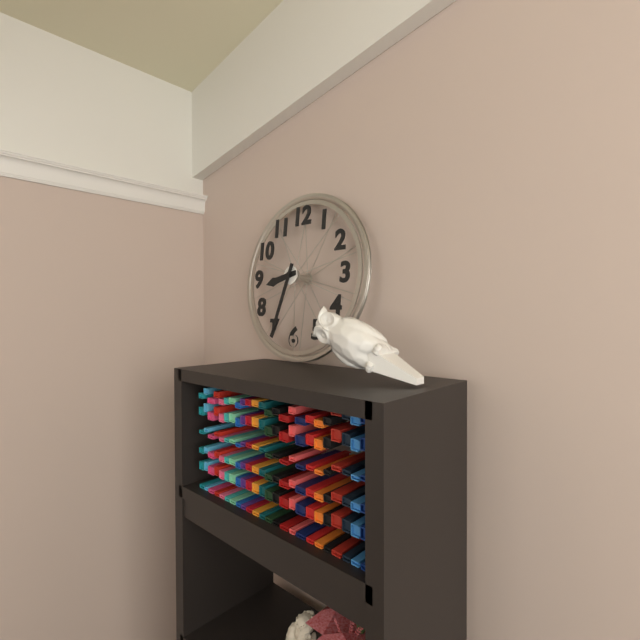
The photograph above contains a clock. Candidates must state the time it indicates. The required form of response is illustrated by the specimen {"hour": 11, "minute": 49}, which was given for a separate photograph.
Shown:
{"hour": 8, "minute": 33}
